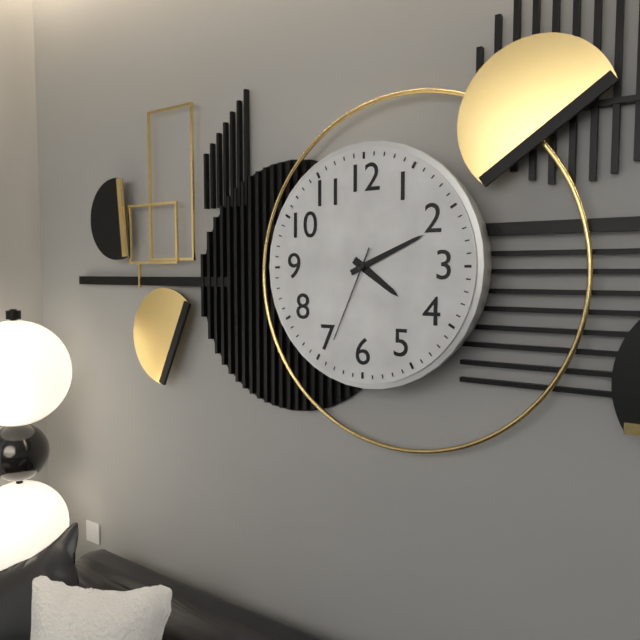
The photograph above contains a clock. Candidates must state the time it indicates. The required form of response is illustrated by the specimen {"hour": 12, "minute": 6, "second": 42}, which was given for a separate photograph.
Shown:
{"hour": 4, "minute": 11, "second": 34}
